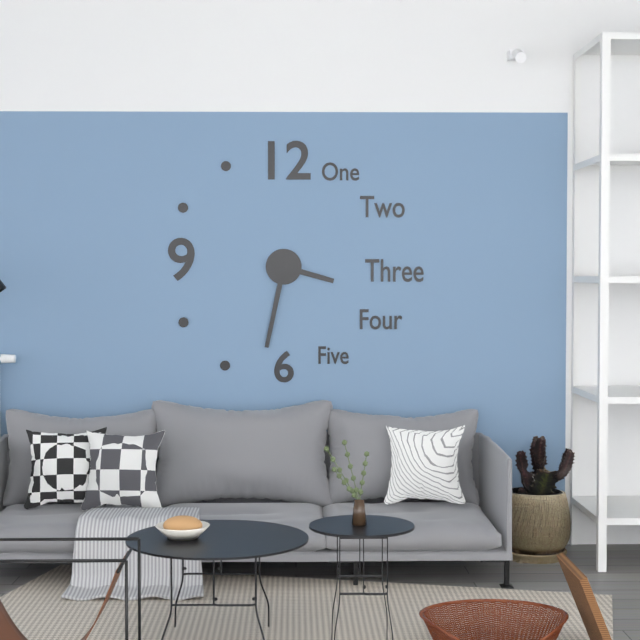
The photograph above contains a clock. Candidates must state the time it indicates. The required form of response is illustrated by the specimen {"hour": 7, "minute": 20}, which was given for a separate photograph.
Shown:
{"hour": 3, "minute": 32}
